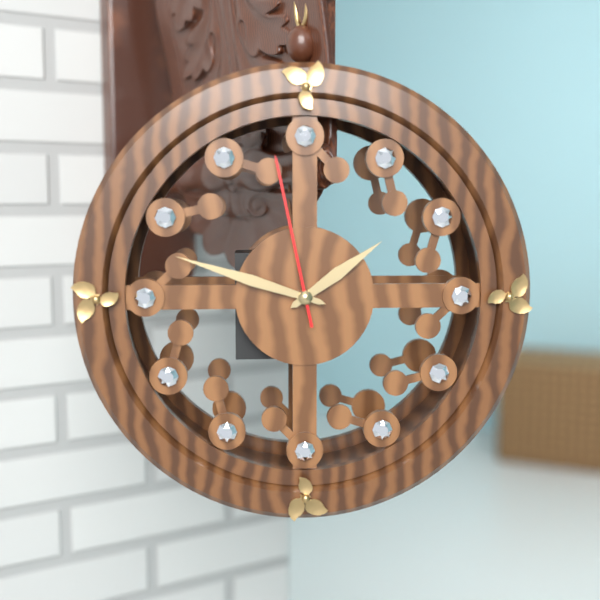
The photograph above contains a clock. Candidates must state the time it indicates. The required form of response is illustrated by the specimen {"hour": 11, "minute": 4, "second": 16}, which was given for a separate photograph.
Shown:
{"hour": 1, "minute": 48, "second": 58}
